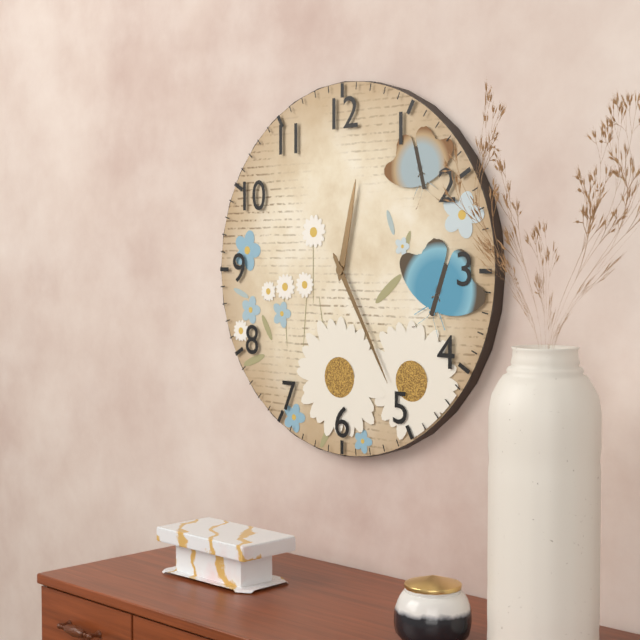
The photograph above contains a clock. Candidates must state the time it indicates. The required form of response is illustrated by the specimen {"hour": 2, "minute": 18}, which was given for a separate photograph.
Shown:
{"hour": 12, "minute": 25}
